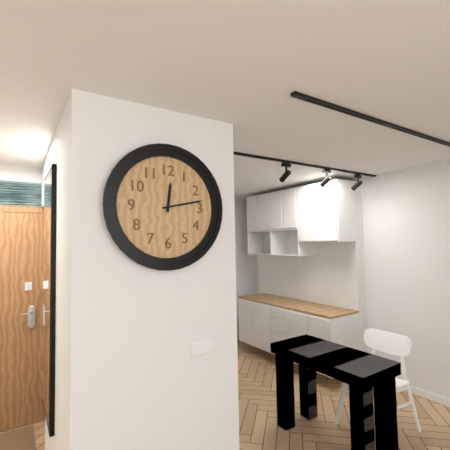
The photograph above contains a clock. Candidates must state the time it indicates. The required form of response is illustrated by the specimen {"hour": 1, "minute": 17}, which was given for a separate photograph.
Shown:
{"hour": 12, "minute": 13}
